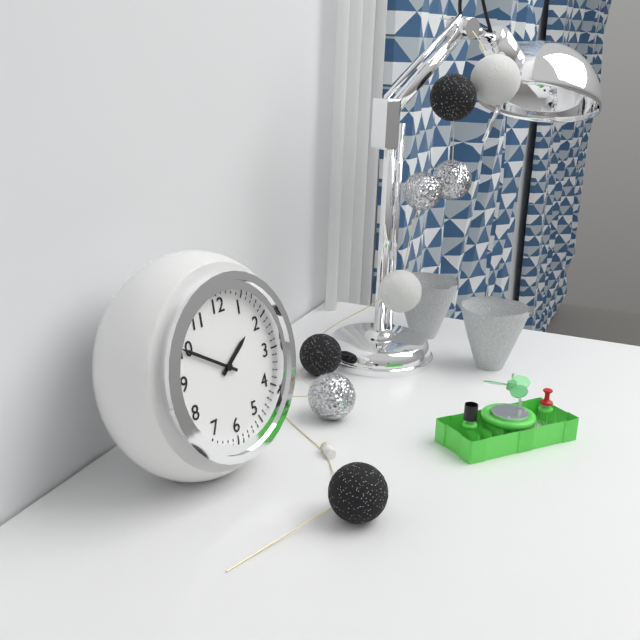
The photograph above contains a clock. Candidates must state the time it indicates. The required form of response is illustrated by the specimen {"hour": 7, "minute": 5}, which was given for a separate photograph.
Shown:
{"hour": 1, "minute": 50}
